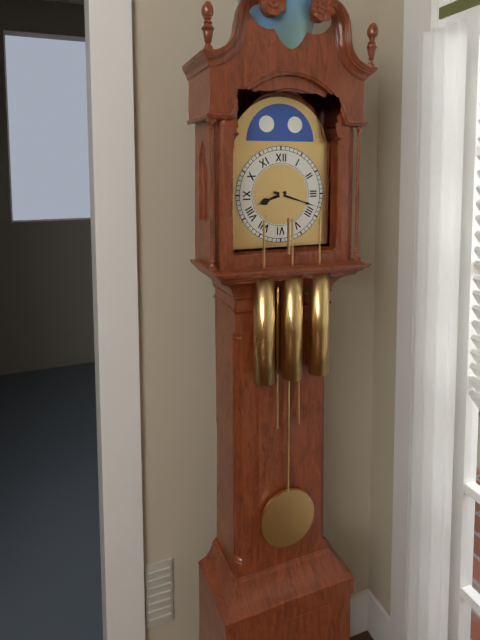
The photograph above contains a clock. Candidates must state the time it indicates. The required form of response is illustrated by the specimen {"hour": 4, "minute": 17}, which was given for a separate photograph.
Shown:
{"hour": 8, "minute": 18}
